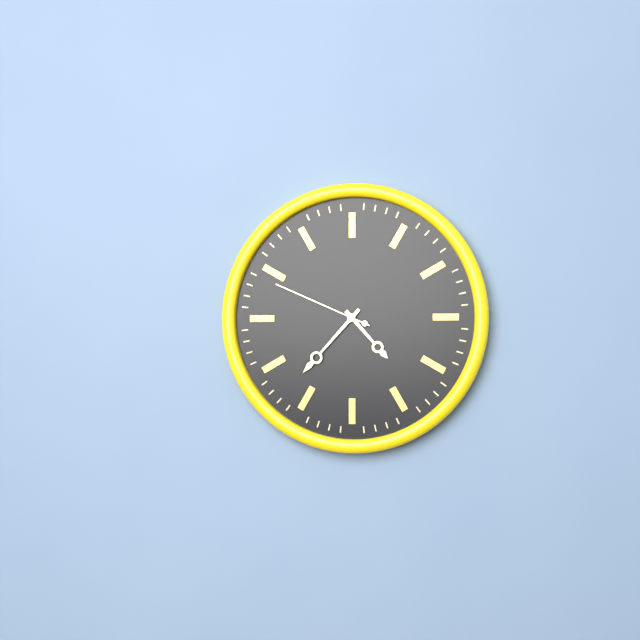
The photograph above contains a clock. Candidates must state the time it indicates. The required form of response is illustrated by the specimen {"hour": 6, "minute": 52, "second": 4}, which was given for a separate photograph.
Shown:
{"hour": 4, "minute": 37, "second": 49}
